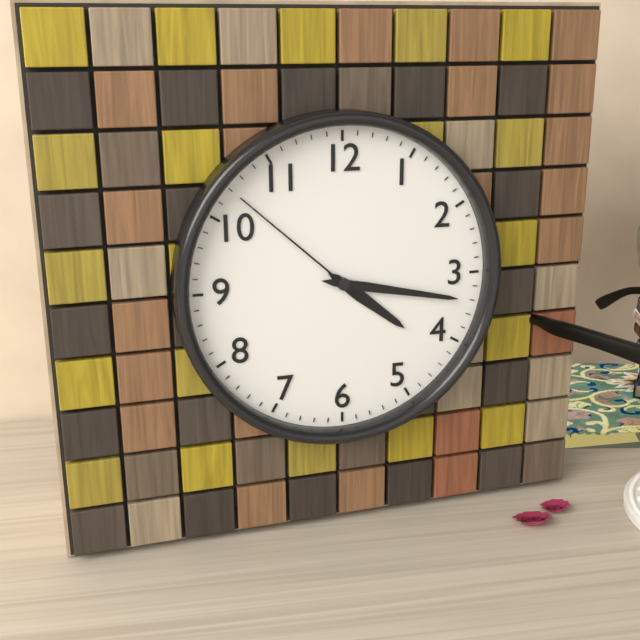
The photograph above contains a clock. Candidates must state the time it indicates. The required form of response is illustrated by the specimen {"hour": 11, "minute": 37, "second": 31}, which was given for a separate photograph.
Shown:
{"hour": 4, "minute": 17, "second": 52}
